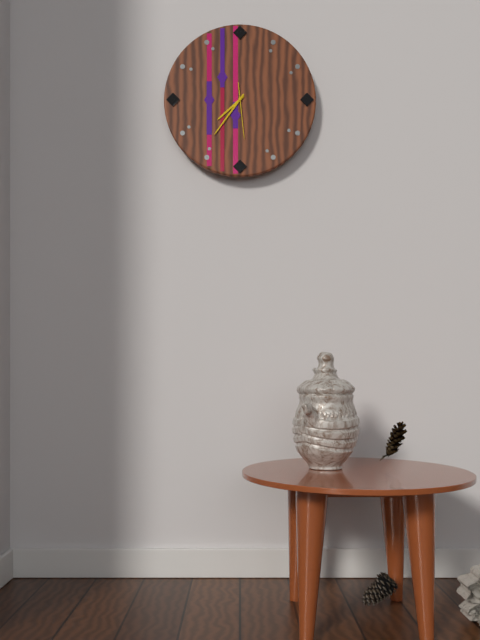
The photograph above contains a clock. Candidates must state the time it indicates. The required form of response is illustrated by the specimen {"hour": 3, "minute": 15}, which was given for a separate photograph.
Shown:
{"hour": 7, "minute": 36}
